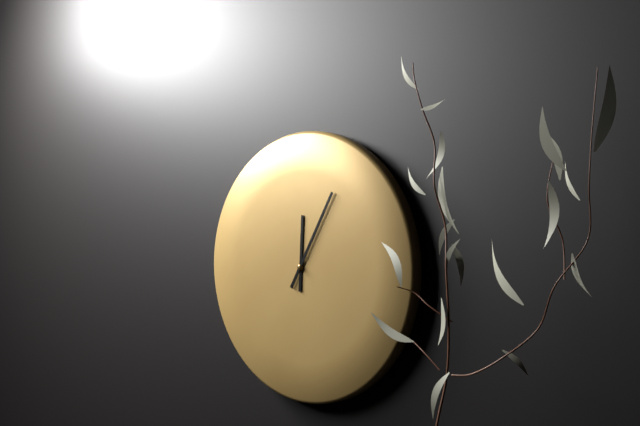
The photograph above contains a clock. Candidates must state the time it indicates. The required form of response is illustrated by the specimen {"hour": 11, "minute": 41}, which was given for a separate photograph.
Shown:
{"hour": 12, "minute": 5}
